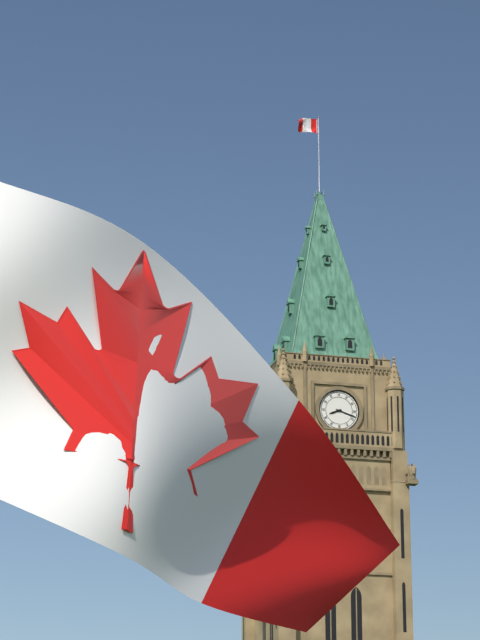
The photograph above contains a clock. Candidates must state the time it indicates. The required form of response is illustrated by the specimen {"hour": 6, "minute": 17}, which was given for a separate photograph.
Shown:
{"hour": 8, "minute": 18}
